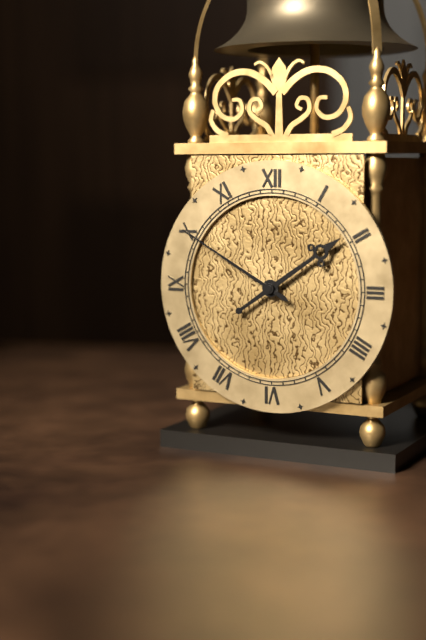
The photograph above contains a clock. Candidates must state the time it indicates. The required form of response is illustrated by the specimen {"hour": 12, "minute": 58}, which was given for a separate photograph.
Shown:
{"hour": 1, "minute": 50}
